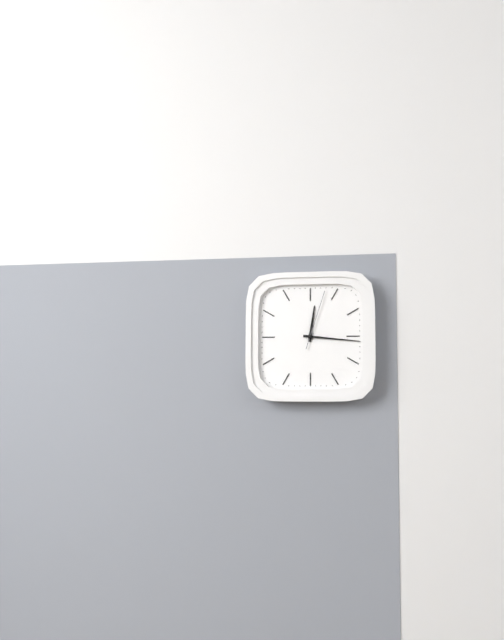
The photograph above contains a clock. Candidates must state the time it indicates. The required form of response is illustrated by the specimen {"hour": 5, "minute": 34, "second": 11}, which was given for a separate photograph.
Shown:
{"hour": 12, "minute": 16, "second": 3}
